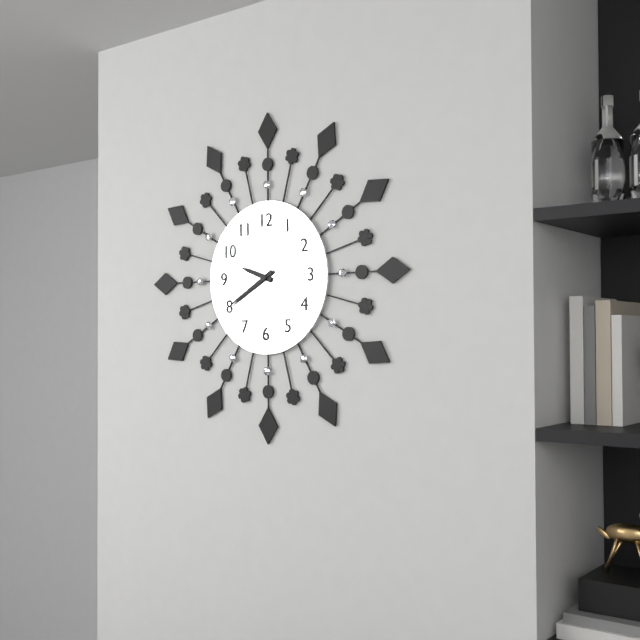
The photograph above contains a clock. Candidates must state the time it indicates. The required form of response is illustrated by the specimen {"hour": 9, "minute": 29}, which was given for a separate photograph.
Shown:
{"hour": 9, "minute": 40}
